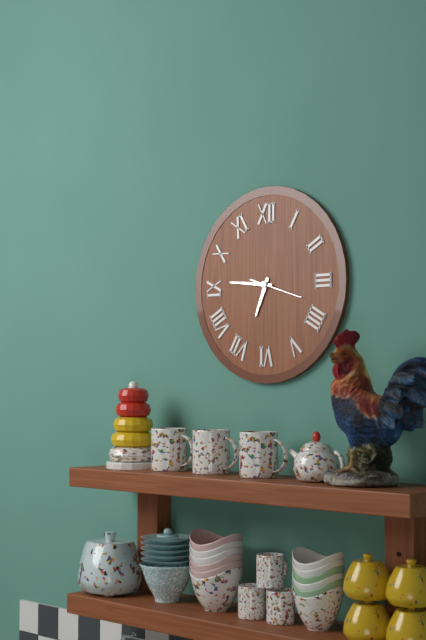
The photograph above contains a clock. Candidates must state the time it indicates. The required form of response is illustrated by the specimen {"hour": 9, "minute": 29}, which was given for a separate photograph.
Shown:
{"hour": 6, "minute": 46}
